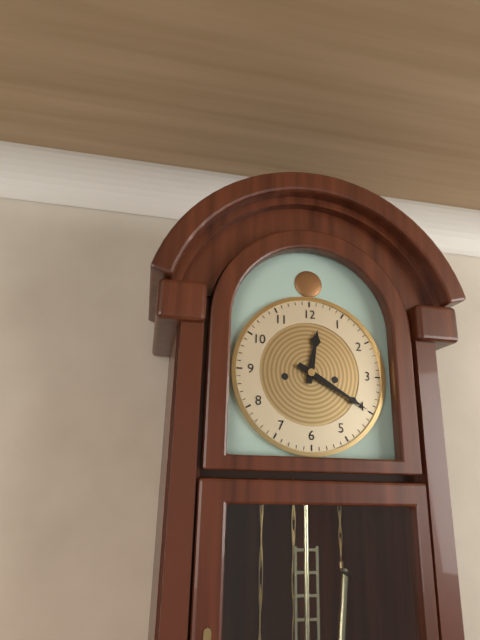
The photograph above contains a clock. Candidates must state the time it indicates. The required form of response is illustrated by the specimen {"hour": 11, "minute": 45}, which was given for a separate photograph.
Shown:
{"hour": 12, "minute": 20}
